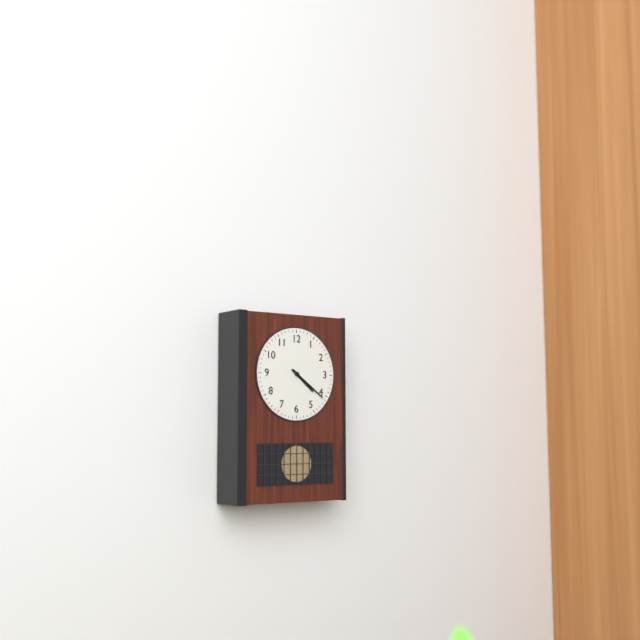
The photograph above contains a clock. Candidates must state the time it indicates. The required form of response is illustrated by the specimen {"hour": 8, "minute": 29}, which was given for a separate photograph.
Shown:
{"hour": 4, "minute": 21}
